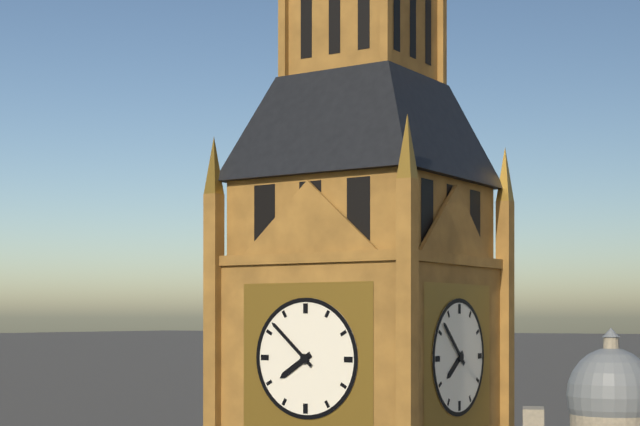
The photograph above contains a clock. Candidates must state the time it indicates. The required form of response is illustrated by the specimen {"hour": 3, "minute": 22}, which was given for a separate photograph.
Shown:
{"hour": 7, "minute": 52}
